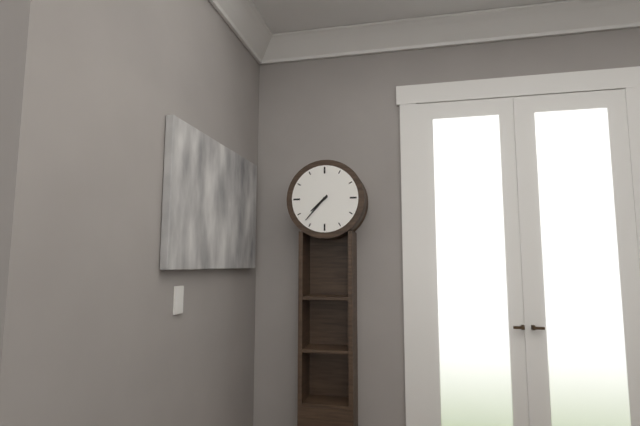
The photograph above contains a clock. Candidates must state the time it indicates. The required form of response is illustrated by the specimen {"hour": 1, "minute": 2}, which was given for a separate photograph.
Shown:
{"hour": 7, "minute": 37}
